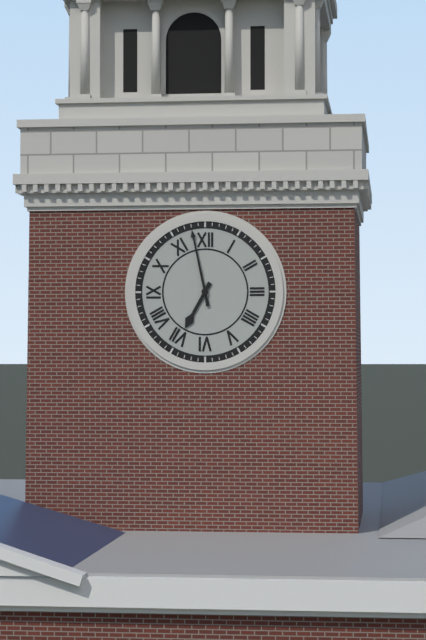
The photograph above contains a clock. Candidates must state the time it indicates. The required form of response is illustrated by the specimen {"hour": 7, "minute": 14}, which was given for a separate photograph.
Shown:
{"hour": 6, "minute": 58}
